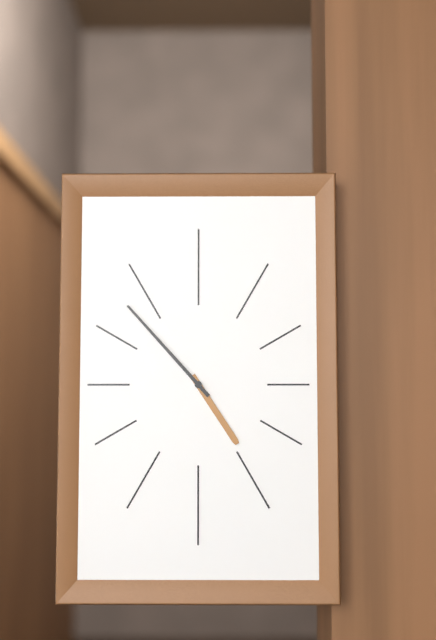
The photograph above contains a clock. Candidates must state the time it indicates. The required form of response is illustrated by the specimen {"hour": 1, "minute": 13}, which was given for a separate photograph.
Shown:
{"hour": 4, "minute": 53}
